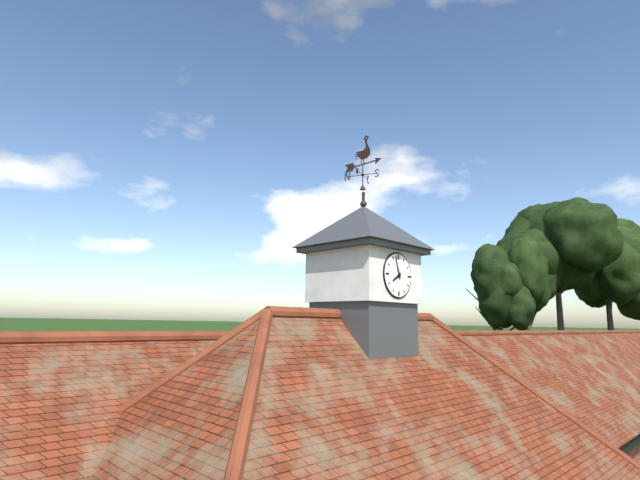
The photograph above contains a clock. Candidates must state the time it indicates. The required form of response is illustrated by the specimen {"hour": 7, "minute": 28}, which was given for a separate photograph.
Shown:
{"hour": 7, "minute": 57}
